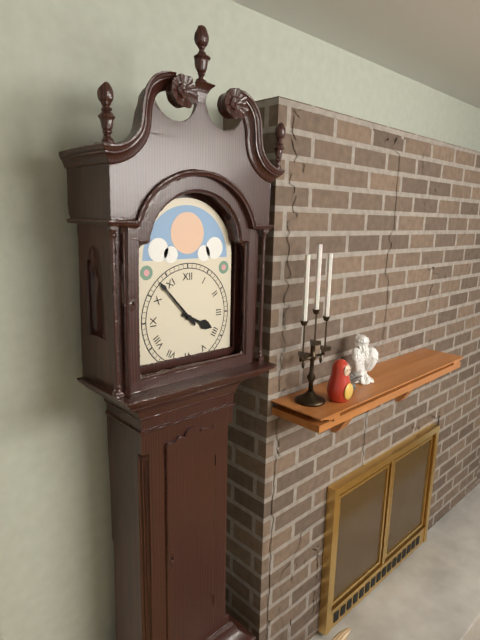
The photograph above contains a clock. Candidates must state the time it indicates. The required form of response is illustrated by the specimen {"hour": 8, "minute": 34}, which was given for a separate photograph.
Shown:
{"hour": 3, "minute": 53}
